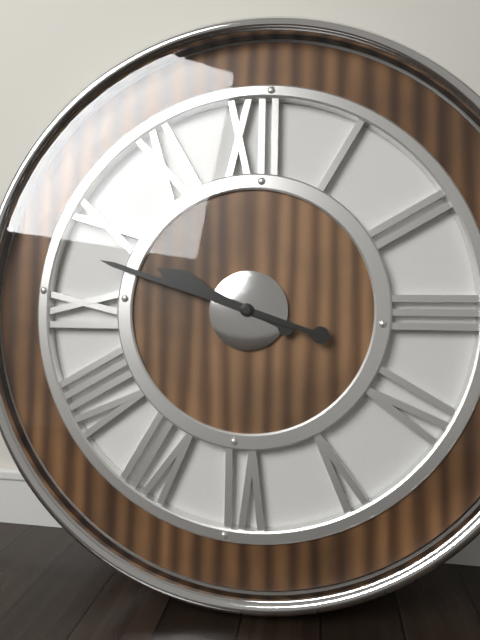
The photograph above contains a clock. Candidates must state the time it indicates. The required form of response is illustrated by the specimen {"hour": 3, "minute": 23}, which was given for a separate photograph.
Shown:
{"hour": 9, "minute": 48}
